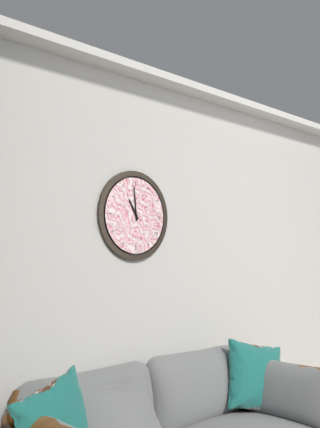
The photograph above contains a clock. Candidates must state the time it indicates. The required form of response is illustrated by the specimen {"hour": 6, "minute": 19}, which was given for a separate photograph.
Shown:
{"hour": 10, "minute": 59}
